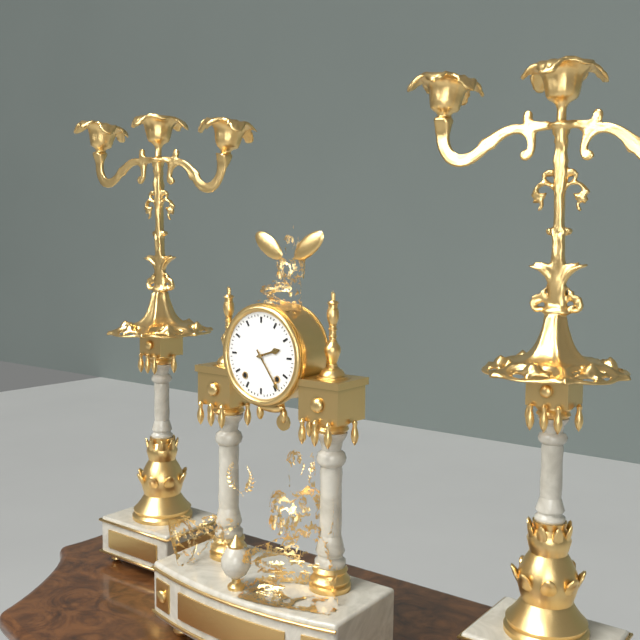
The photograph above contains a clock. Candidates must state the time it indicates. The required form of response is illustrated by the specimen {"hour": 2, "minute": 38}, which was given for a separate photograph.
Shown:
{"hour": 2, "minute": 24}
